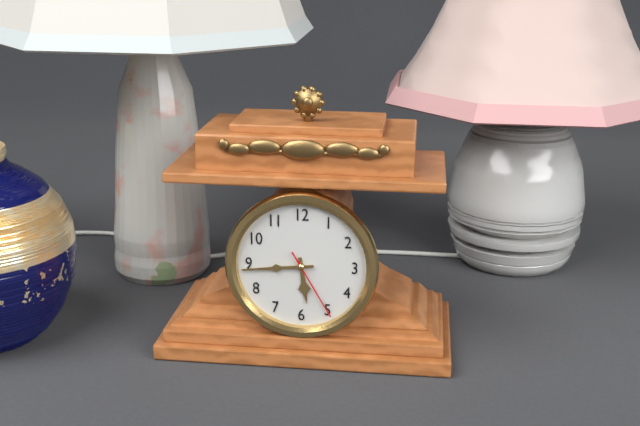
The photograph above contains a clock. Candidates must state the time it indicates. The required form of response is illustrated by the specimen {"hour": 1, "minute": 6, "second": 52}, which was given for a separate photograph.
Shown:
{"hour": 5, "minute": 44, "second": 25}
